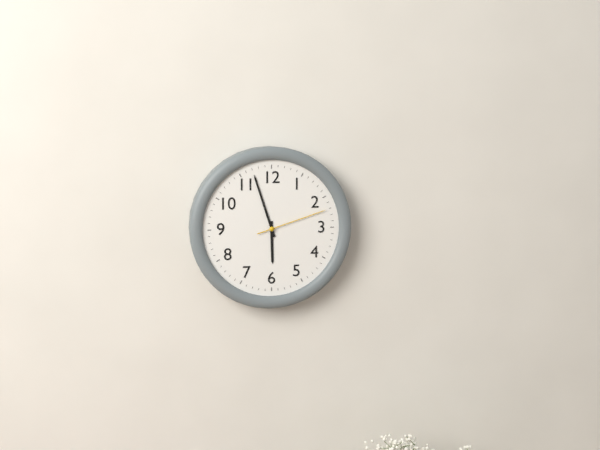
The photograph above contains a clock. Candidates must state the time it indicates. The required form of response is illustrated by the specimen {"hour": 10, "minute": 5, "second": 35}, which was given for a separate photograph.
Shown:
{"hour": 5, "minute": 57, "second": 12}
